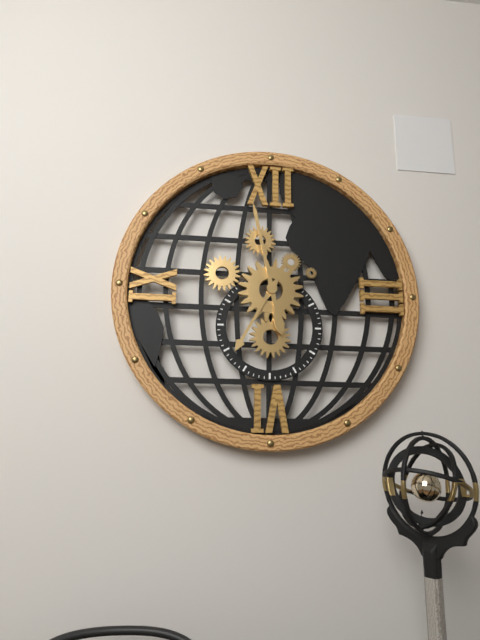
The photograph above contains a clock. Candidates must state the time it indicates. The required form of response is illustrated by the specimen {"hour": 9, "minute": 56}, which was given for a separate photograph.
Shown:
{"hour": 6, "minute": 58}
